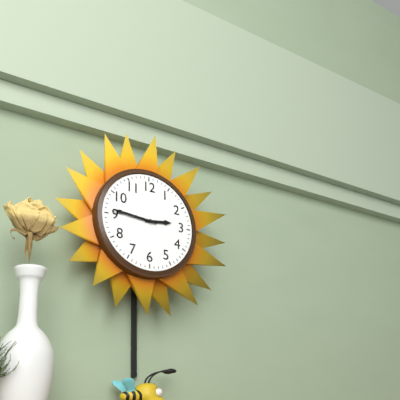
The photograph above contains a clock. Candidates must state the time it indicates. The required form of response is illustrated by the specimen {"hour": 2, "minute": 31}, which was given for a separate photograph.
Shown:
{"hour": 2, "minute": 46}
